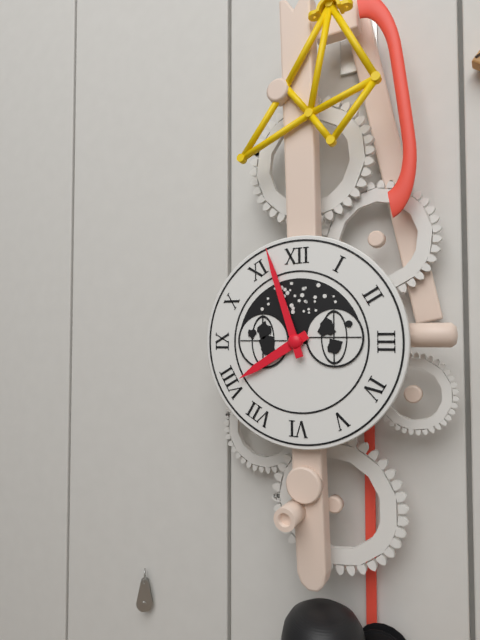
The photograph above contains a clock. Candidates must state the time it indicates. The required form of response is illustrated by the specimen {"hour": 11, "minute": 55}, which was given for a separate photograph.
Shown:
{"hour": 7, "minute": 57}
